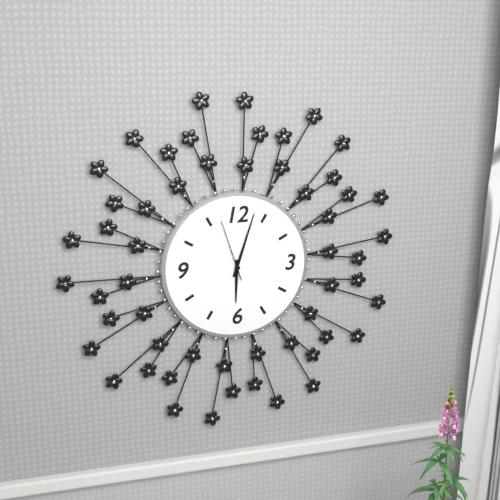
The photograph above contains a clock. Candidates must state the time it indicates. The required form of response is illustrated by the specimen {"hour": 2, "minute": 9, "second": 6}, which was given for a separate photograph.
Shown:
{"hour": 6, "minute": 3, "second": 57}
